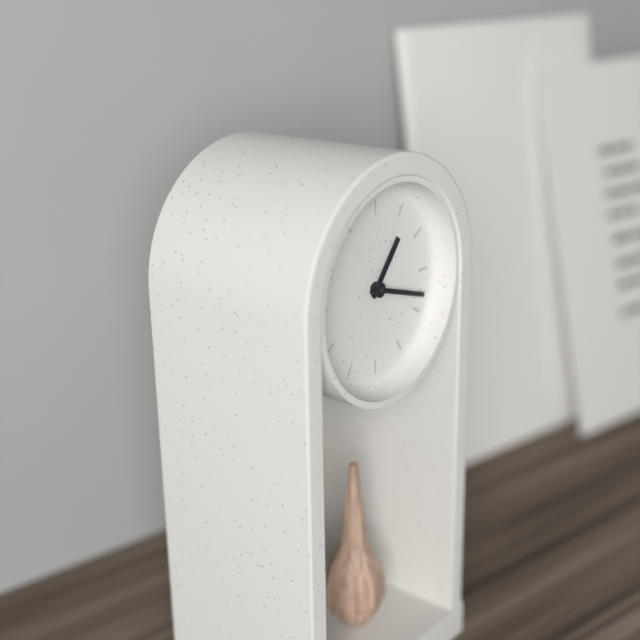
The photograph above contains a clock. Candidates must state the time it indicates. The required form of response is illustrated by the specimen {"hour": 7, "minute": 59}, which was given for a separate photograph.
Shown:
{"hour": 1, "minute": 18}
